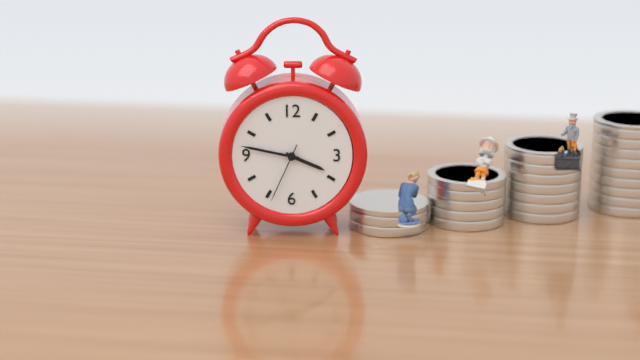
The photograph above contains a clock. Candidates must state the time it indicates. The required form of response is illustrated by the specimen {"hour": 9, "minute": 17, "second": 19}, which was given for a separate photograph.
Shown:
{"hour": 3, "minute": 47, "second": 34}
